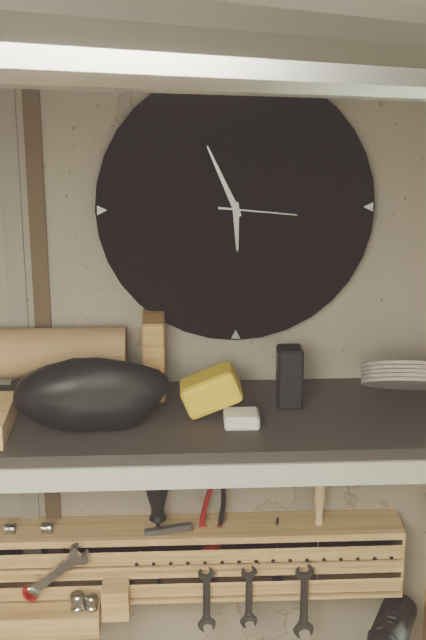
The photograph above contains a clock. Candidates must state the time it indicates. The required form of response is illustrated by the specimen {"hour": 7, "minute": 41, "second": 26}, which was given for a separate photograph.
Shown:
{"hour": 5, "minute": 56, "second": 16}
